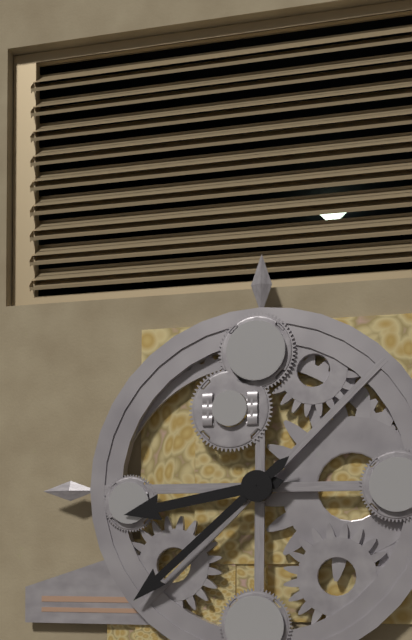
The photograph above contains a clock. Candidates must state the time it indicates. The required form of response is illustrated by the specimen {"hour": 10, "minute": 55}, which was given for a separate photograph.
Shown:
{"hour": 8, "minute": 38}
